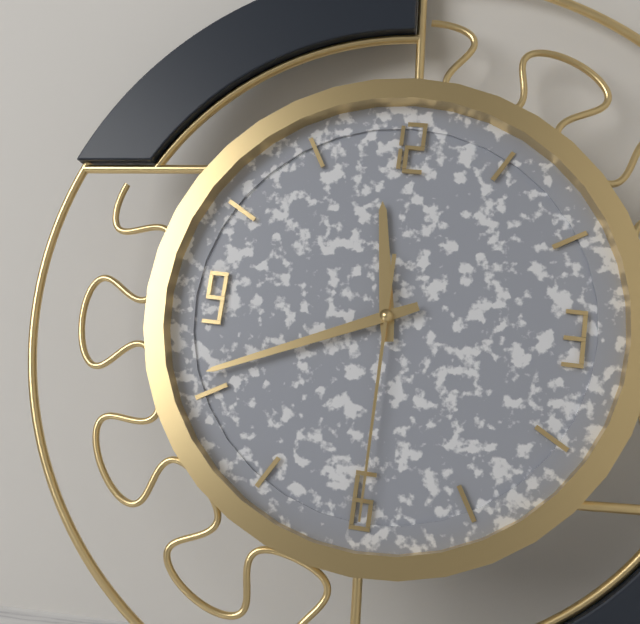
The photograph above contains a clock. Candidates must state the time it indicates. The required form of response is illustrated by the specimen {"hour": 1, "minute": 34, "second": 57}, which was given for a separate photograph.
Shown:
{"hour": 11, "minute": 41, "second": 30}
